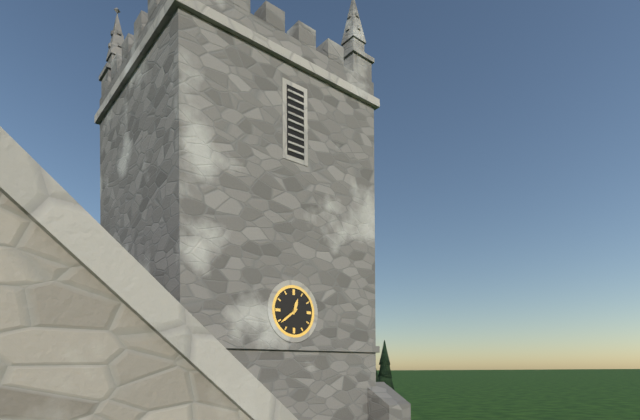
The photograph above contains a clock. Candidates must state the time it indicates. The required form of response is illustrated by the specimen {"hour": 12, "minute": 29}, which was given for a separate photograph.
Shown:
{"hour": 12, "minute": 39}
